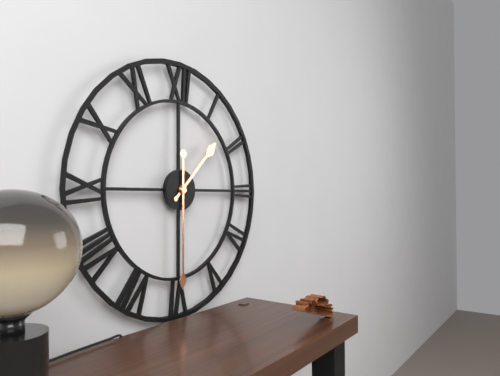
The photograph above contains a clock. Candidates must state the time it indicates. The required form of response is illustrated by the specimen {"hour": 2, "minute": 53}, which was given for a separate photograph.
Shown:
{"hour": 1, "minute": 30}
